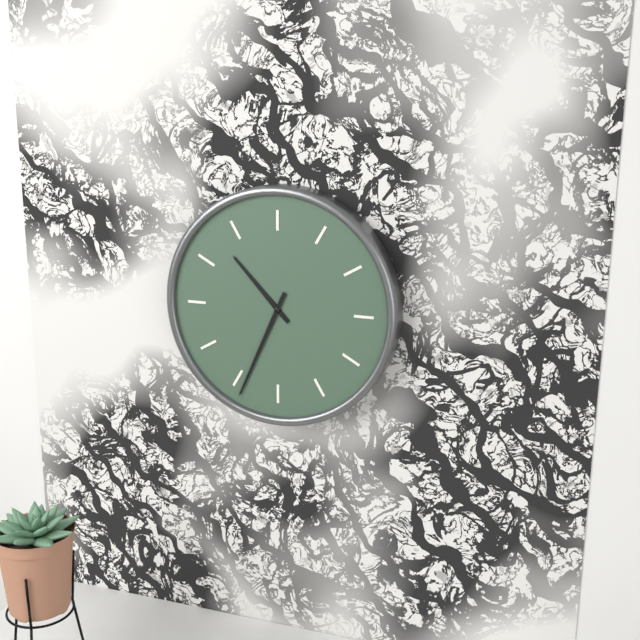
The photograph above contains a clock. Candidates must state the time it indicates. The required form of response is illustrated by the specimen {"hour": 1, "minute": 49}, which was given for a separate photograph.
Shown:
{"hour": 10, "minute": 34}
